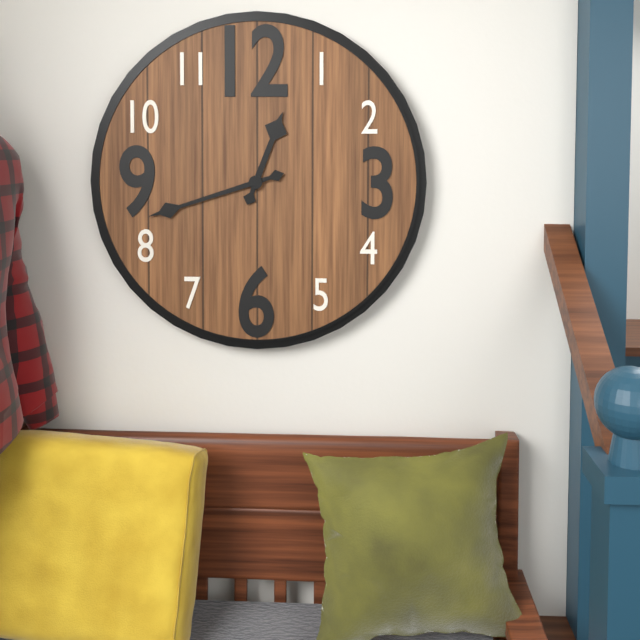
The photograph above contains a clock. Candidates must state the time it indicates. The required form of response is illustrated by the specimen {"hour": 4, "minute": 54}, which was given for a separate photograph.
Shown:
{"hour": 12, "minute": 42}
